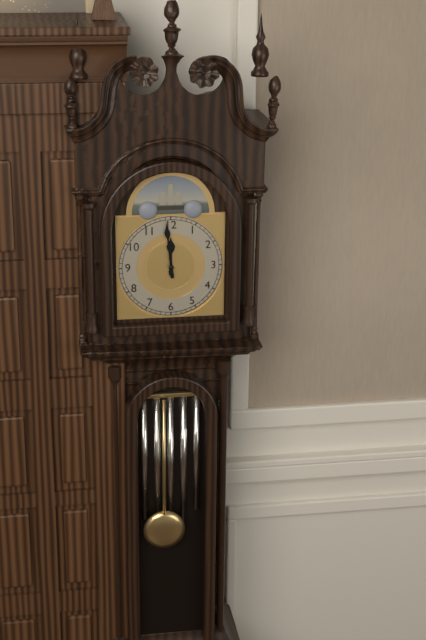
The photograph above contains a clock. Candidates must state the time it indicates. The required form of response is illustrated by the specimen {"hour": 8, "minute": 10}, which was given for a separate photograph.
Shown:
{"hour": 11, "minute": 59}
